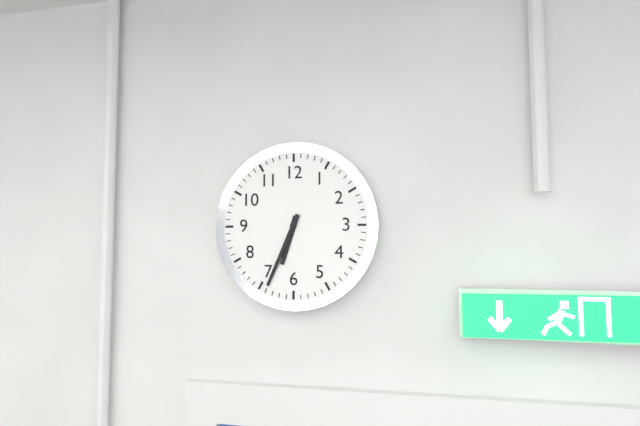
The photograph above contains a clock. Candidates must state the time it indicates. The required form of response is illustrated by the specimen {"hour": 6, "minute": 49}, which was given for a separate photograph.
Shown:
{"hour": 6, "minute": 34}
